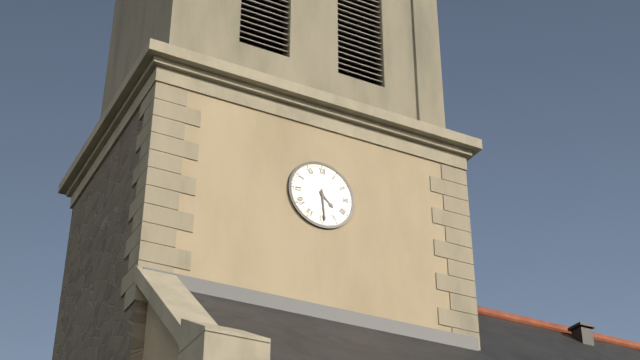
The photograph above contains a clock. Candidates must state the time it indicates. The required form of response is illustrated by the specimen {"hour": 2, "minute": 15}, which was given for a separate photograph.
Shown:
{"hour": 4, "minute": 29}
